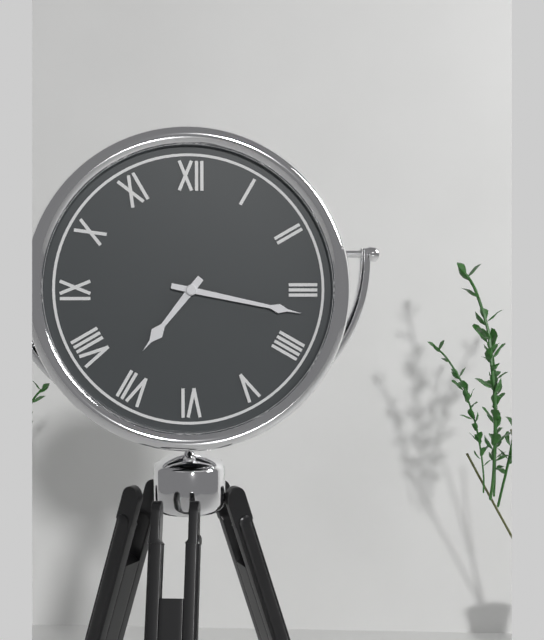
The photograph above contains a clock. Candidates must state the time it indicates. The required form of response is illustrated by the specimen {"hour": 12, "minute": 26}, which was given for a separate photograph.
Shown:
{"hour": 7, "minute": 17}
